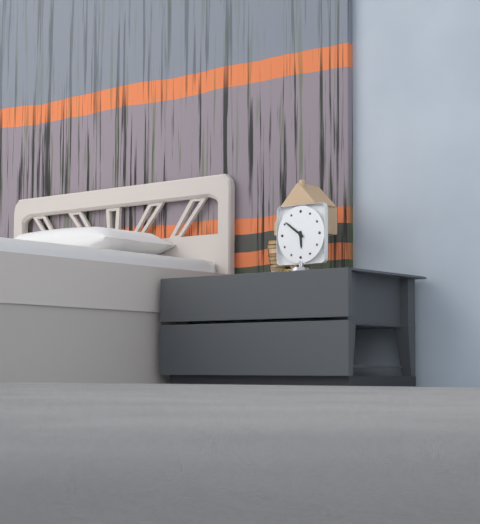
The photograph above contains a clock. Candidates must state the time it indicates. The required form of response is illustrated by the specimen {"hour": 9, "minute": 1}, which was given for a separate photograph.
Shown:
{"hour": 5, "minute": 51}
